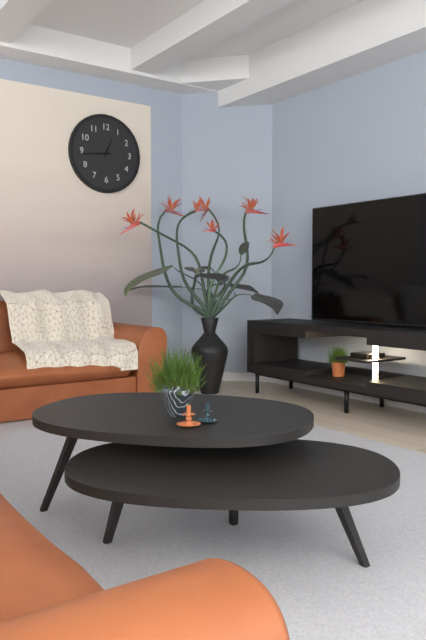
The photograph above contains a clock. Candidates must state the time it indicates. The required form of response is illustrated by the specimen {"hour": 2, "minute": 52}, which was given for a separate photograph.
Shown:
{"hour": 12, "minute": 44}
